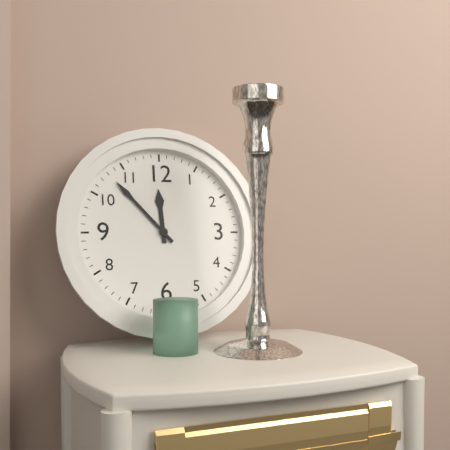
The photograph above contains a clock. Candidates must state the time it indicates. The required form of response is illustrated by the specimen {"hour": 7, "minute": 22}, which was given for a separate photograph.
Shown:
{"hour": 11, "minute": 53}
